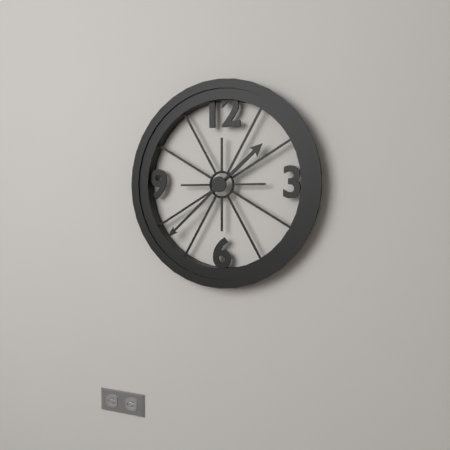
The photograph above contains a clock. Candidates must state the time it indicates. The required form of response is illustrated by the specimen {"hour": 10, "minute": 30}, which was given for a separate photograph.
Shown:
{"hour": 1, "minute": 38}
